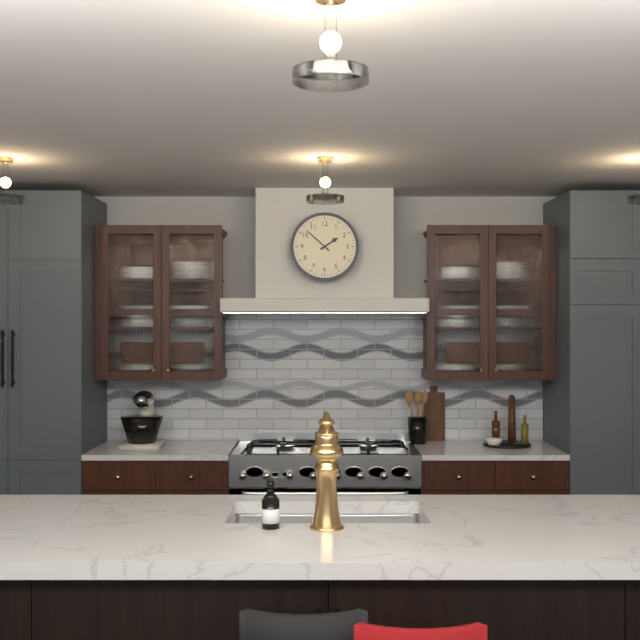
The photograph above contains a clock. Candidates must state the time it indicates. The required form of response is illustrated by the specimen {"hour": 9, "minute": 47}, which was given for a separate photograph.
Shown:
{"hour": 1, "minute": 52}
